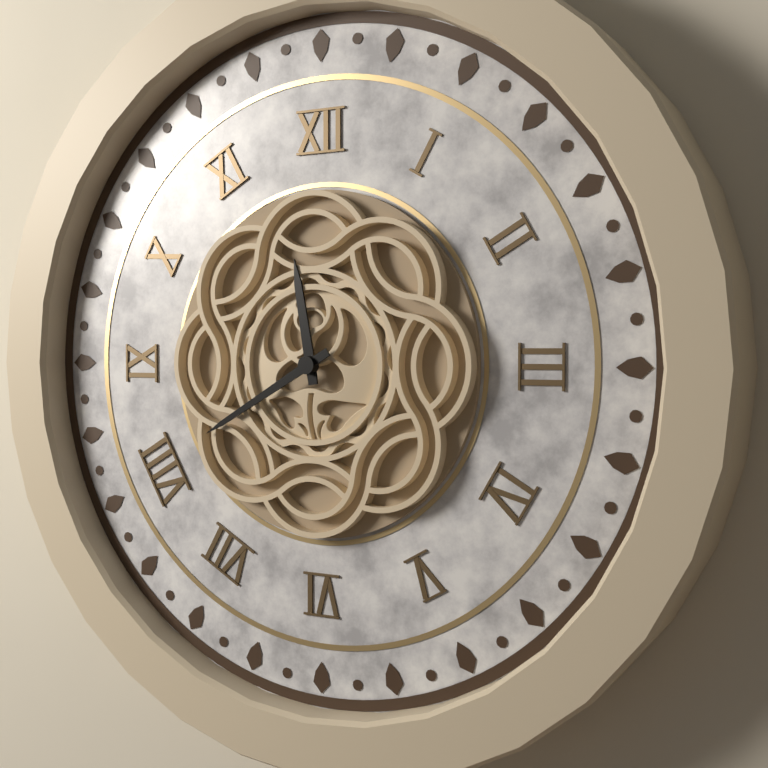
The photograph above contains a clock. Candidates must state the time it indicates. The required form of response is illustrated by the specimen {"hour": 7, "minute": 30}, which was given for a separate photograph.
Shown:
{"hour": 11, "minute": 40}
